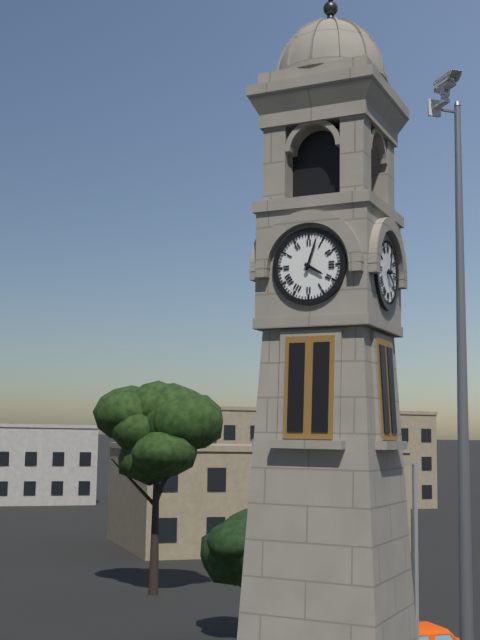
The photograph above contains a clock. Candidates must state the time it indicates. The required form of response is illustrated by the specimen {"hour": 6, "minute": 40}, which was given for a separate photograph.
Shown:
{"hour": 4, "minute": 3}
